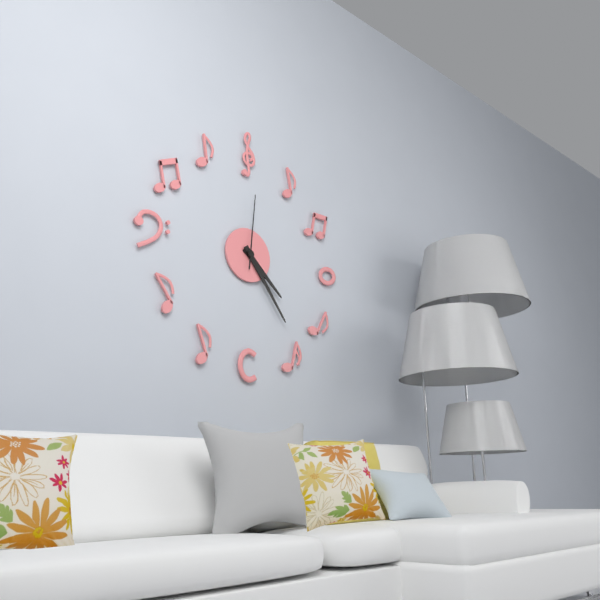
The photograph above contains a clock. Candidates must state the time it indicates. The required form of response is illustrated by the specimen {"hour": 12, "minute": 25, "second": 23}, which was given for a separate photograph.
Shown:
{"hour": 4, "minute": 24, "second": 1}
